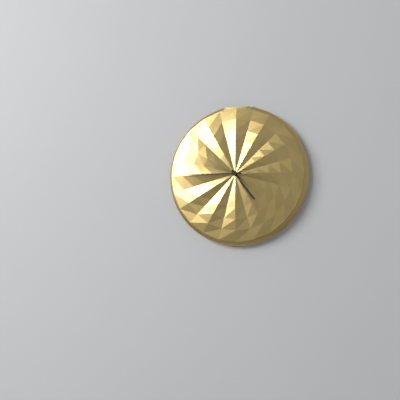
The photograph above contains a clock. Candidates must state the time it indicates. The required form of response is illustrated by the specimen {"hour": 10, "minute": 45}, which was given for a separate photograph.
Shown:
{"hour": 4, "minute": 45}
